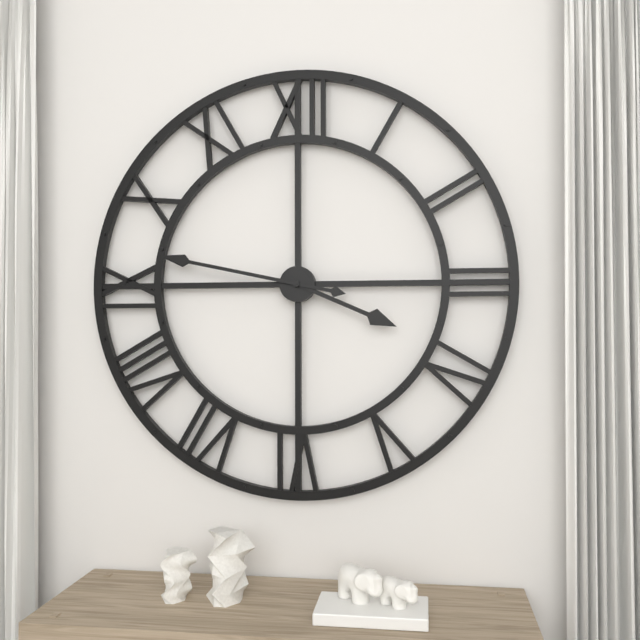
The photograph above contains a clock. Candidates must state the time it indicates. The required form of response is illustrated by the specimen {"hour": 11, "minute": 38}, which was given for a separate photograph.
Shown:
{"hour": 3, "minute": 47}
